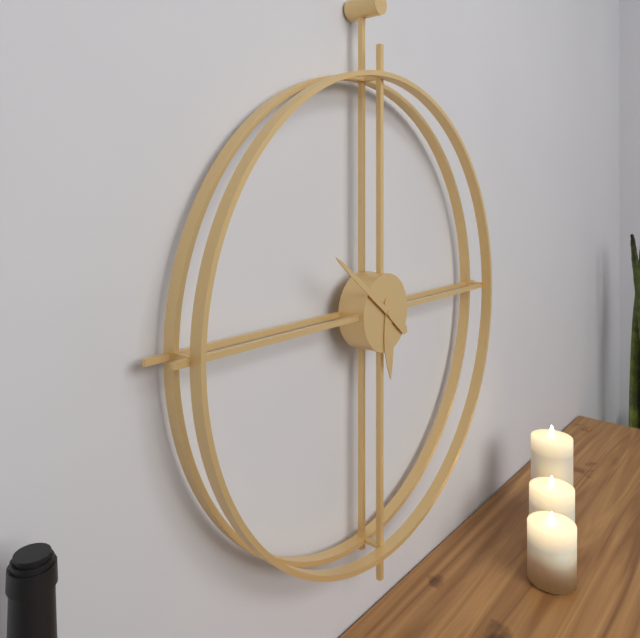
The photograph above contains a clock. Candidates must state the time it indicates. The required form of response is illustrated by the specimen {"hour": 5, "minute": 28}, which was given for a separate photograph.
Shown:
{"hour": 5, "minute": 51}
